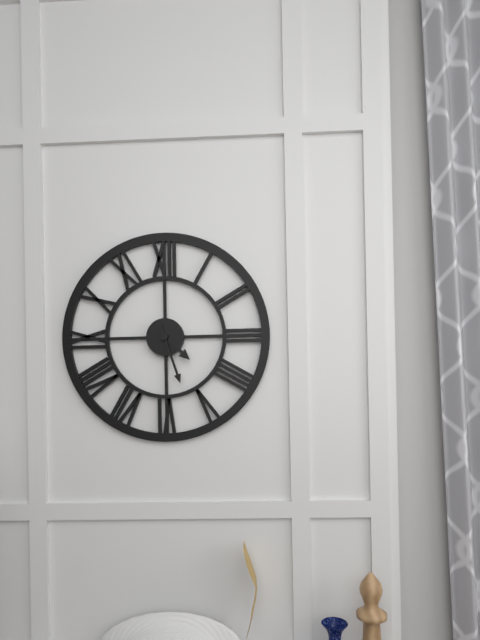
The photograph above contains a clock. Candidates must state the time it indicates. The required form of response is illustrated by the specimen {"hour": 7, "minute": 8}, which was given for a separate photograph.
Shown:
{"hour": 4, "minute": 27}
